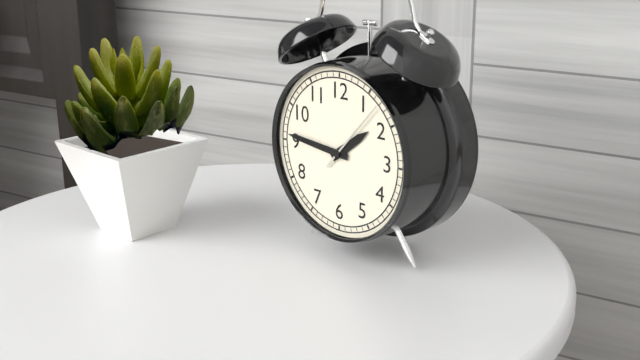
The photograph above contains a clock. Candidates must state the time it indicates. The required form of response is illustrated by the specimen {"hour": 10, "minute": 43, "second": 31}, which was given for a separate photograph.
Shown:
{"hour": 1, "minute": 46, "second": 7}
